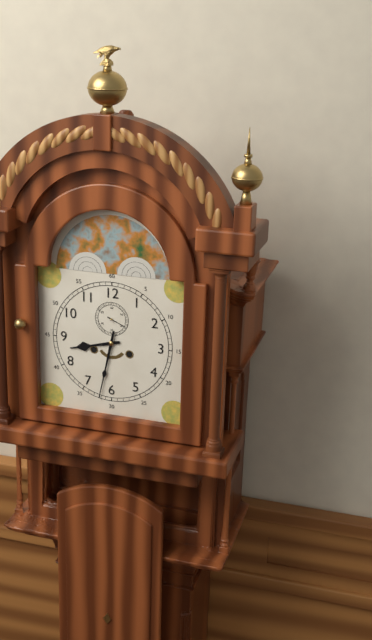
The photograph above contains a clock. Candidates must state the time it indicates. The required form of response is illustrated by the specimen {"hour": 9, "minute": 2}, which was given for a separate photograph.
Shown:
{"hour": 8, "minute": 32}
